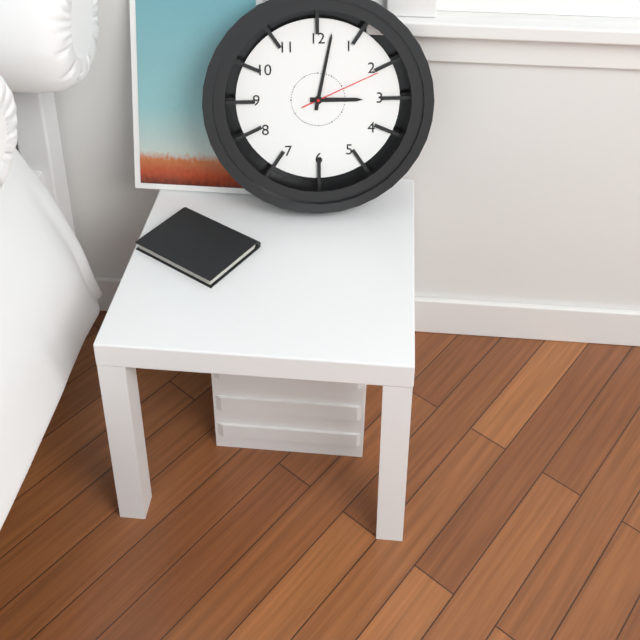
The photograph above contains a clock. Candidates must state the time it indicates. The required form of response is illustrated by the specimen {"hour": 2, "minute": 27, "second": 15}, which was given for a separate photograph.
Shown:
{"hour": 3, "minute": 2, "second": 11}
